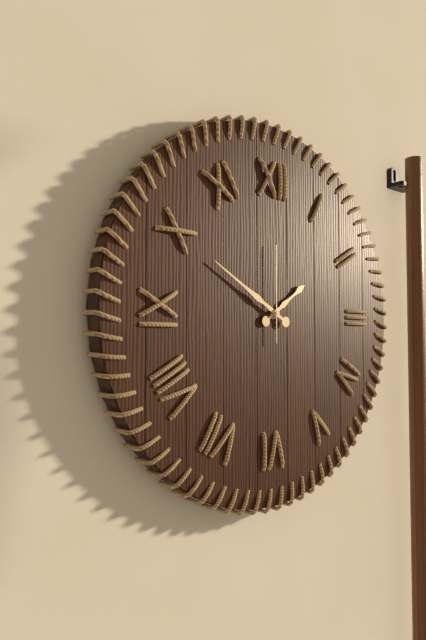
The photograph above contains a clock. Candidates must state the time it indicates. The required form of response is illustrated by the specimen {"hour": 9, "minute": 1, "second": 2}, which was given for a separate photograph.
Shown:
{"hour": 1, "minute": 50, "second": 0}
